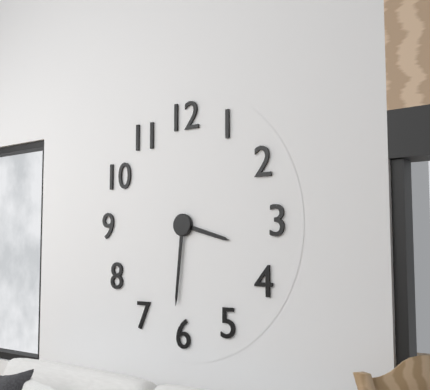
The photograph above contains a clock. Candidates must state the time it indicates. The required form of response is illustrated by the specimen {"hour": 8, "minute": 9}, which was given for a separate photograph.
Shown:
{"hour": 3, "minute": 31}
